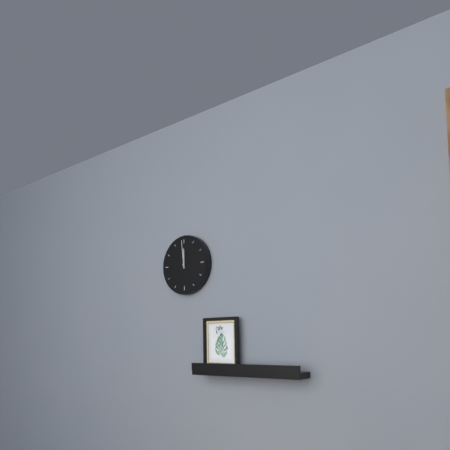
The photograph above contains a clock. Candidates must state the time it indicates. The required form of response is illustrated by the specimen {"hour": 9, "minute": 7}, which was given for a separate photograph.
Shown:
{"hour": 11, "minute": 59}
